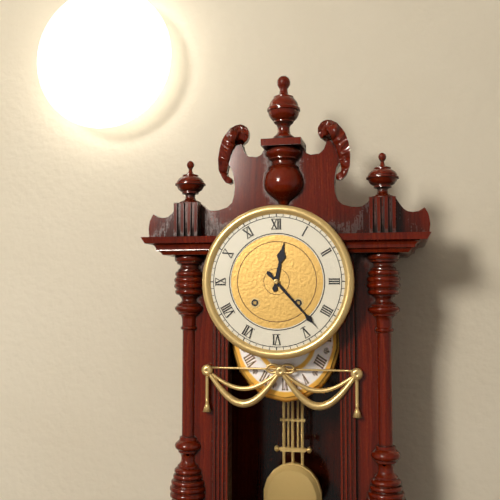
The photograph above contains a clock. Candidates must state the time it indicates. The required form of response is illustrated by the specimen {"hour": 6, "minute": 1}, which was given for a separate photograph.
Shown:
{"hour": 12, "minute": 23}
